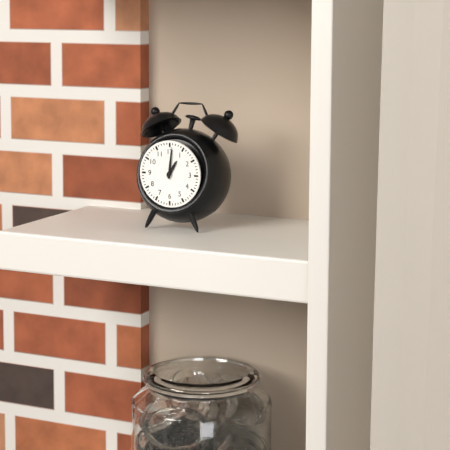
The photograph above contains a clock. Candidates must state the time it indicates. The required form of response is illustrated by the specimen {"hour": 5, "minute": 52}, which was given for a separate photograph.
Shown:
{"hour": 1, "minute": 1}
